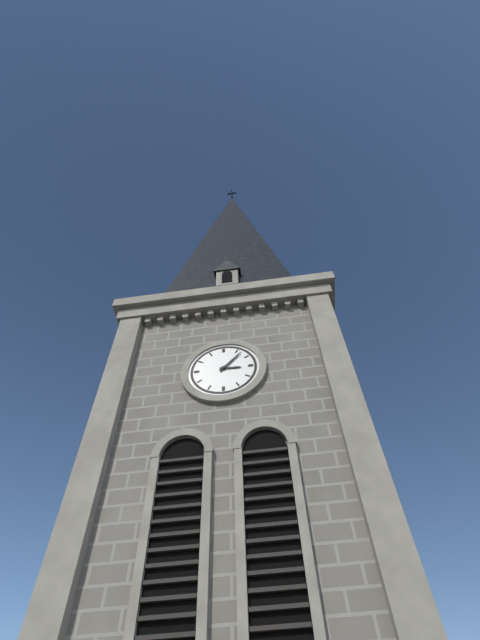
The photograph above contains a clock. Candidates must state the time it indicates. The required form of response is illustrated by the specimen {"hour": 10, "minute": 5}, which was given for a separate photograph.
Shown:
{"hour": 3, "minute": 7}
